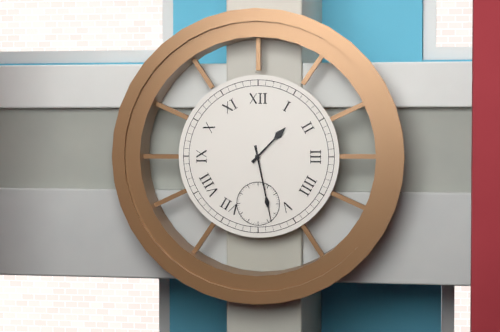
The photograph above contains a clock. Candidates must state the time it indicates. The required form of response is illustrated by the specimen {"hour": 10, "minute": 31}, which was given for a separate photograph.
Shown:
{"hour": 1, "minute": 28}
